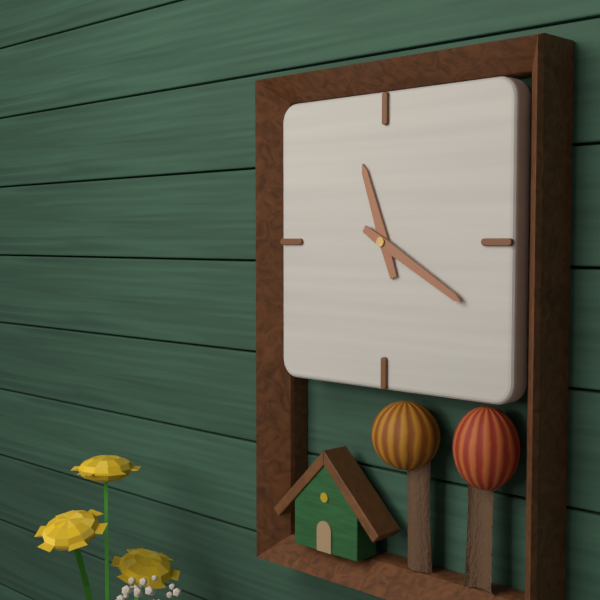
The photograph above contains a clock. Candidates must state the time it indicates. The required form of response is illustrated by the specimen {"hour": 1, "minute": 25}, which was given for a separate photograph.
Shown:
{"hour": 11, "minute": 20}
